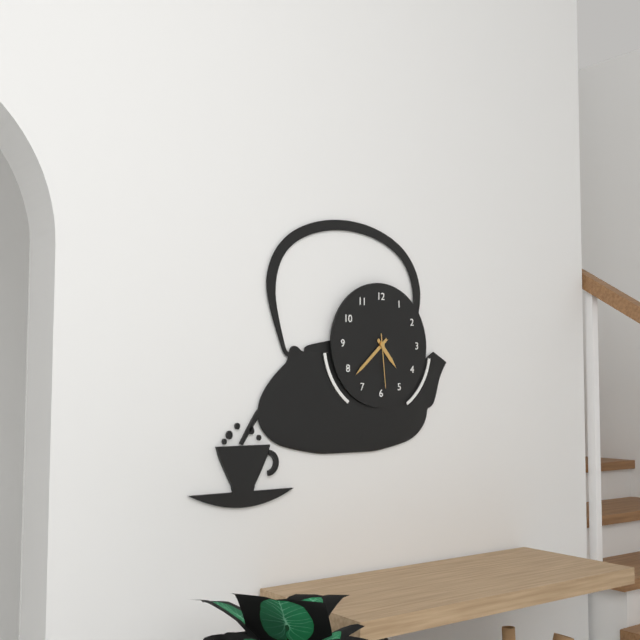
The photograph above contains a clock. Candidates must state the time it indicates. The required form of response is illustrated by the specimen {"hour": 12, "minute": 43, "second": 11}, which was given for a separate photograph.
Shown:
{"hour": 4, "minute": 38, "second": 29}
